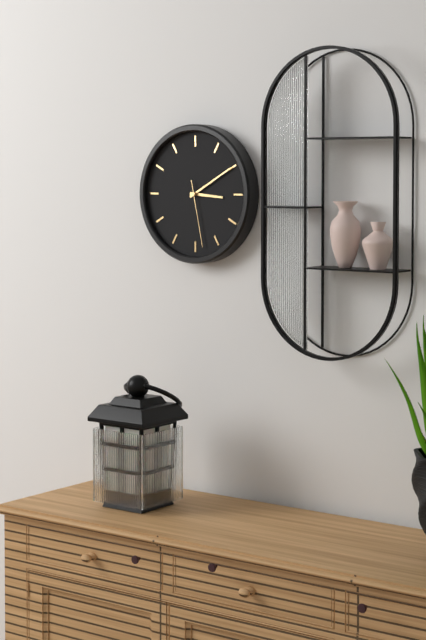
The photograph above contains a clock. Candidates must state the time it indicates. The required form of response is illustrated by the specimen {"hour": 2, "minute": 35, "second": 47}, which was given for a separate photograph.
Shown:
{"hour": 3, "minute": 10, "second": 28}
